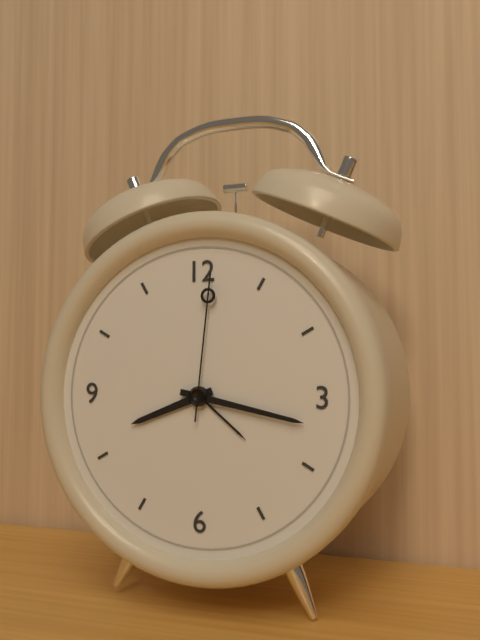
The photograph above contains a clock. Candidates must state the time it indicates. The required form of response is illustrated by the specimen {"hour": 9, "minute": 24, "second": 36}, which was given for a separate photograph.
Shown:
{"hour": 8, "minute": 17, "second": 1}
